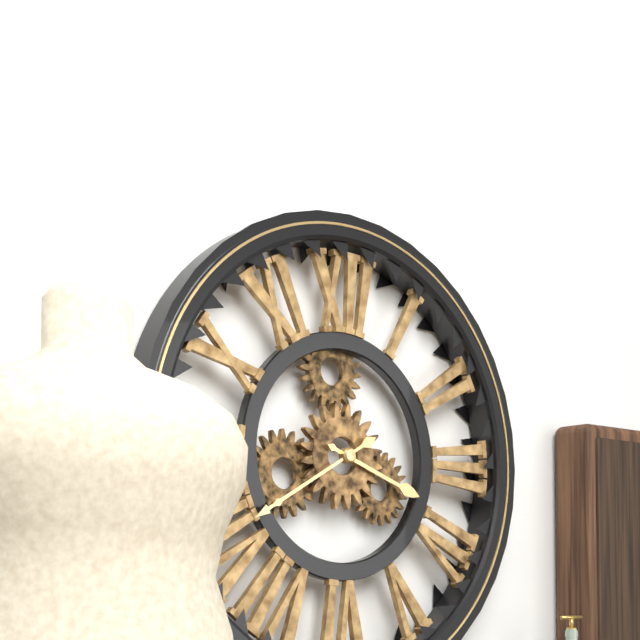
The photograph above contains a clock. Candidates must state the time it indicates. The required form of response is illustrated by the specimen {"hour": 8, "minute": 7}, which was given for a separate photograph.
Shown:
{"hour": 3, "minute": 40}
